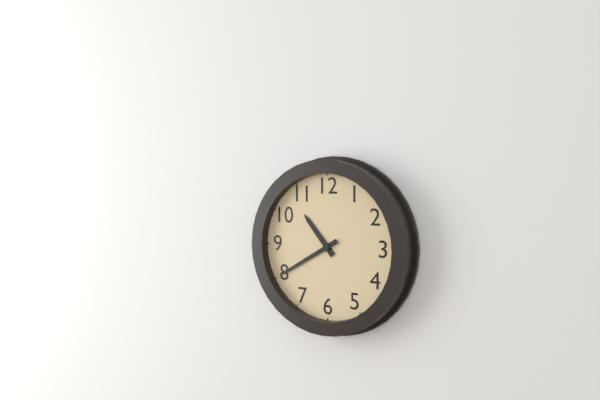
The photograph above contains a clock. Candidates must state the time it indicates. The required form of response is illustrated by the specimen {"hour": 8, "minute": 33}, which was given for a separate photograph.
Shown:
{"hour": 10, "minute": 40}
